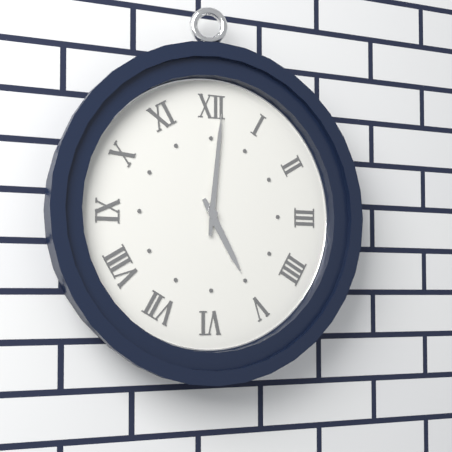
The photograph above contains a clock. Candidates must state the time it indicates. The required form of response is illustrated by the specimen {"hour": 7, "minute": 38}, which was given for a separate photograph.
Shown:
{"hour": 5, "minute": 1}
